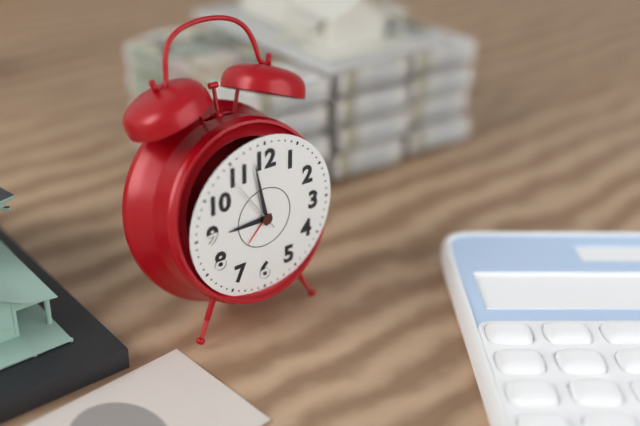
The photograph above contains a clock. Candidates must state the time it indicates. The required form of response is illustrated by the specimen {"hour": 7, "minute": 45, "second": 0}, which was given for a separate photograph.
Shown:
{"hour": 8, "minute": 58, "second": 54}
